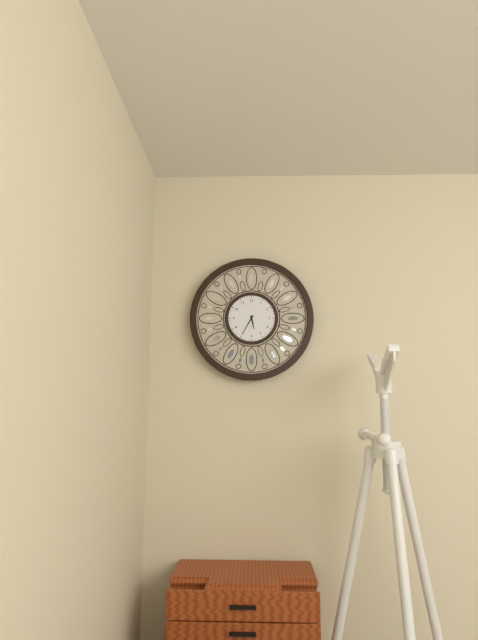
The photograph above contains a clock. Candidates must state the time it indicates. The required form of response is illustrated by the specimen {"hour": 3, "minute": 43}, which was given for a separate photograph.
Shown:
{"hour": 5, "minute": 35}
